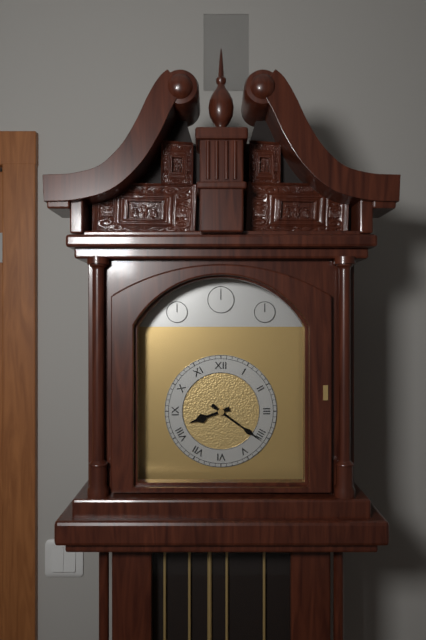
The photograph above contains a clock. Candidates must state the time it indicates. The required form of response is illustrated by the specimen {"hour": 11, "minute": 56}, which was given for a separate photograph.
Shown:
{"hour": 8, "minute": 21}
